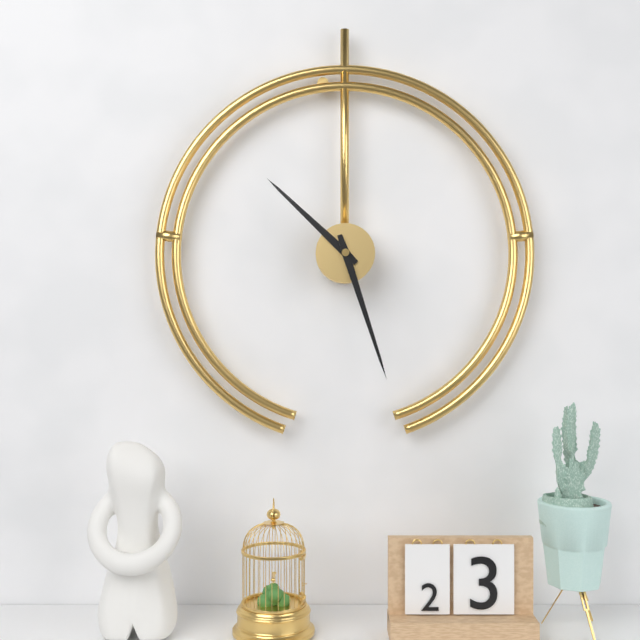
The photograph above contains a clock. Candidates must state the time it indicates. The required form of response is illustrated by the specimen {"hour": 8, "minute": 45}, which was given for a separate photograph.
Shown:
{"hour": 10, "minute": 27}
